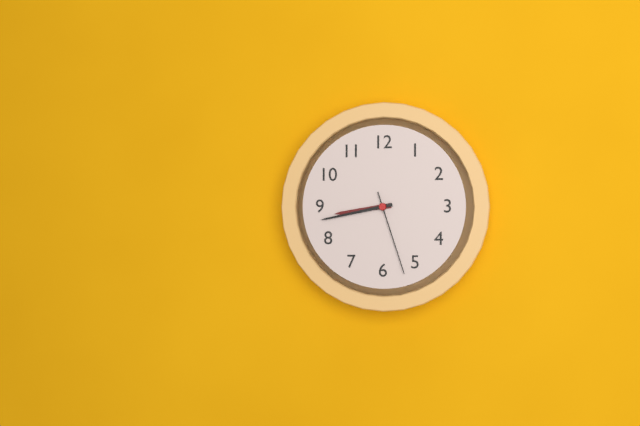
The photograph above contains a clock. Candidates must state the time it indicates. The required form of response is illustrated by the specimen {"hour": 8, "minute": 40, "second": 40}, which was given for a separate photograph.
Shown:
{"hour": 8, "minute": 43, "second": 27}
